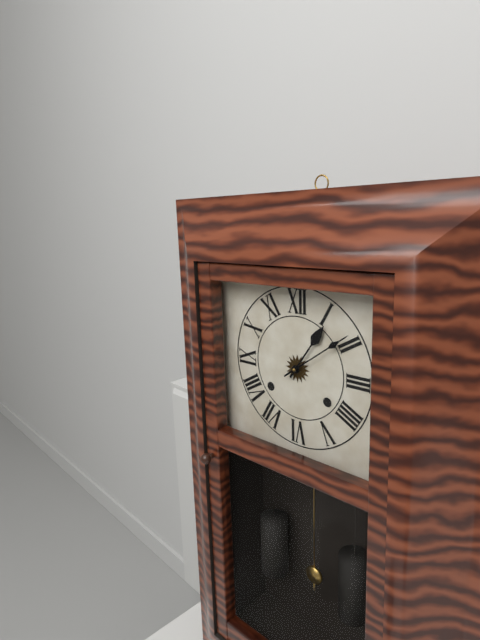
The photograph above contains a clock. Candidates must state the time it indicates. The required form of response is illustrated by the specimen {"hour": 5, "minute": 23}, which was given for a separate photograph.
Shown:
{"hour": 1, "minute": 9}
